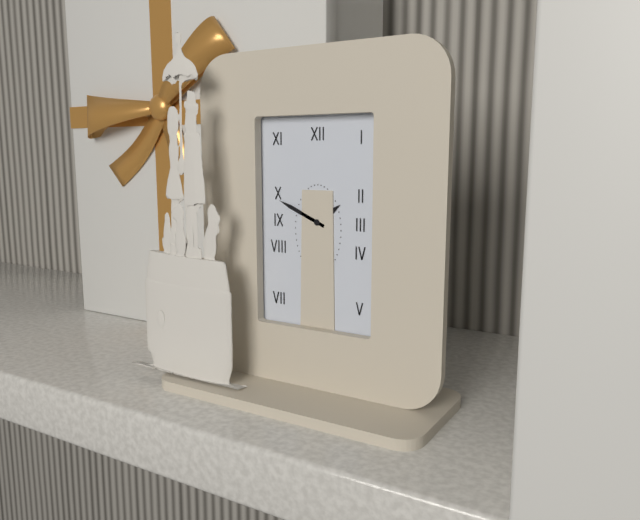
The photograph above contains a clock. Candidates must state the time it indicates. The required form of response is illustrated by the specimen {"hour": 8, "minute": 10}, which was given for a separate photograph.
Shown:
{"hour": 1, "minute": 49}
